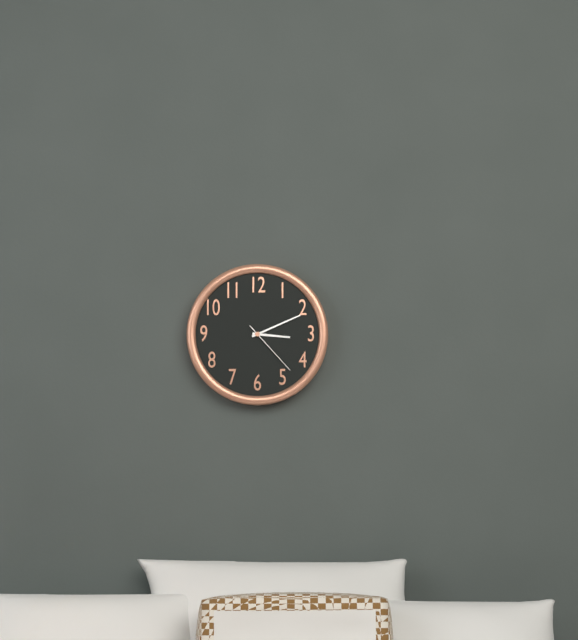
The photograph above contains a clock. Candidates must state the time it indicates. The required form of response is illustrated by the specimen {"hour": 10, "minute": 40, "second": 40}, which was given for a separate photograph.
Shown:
{"hour": 3, "minute": 11, "second": 23}
